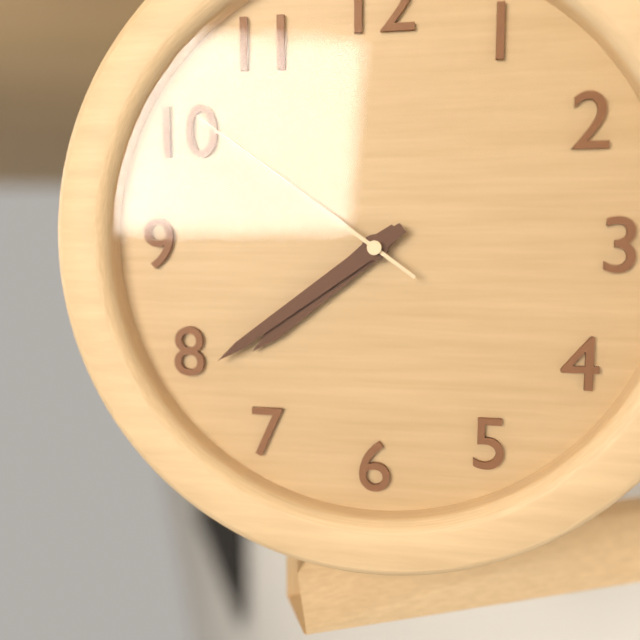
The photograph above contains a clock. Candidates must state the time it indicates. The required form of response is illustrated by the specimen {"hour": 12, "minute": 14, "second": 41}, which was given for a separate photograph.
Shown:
{"hour": 7, "minute": 39, "second": 51}
